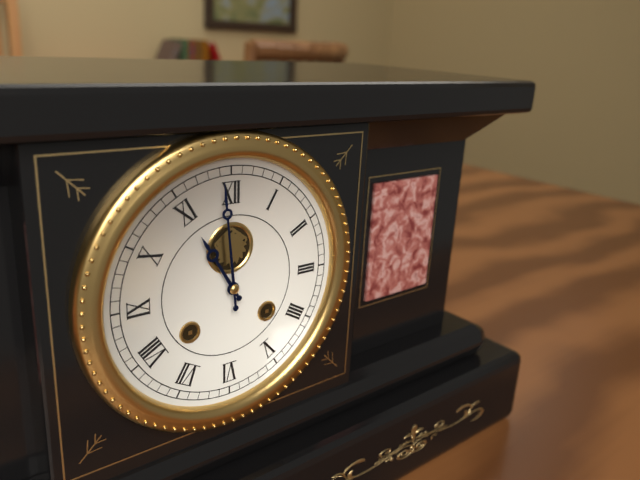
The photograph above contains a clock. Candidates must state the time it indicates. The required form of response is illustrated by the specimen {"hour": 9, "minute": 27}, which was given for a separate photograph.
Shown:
{"hour": 10, "minute": 59}
